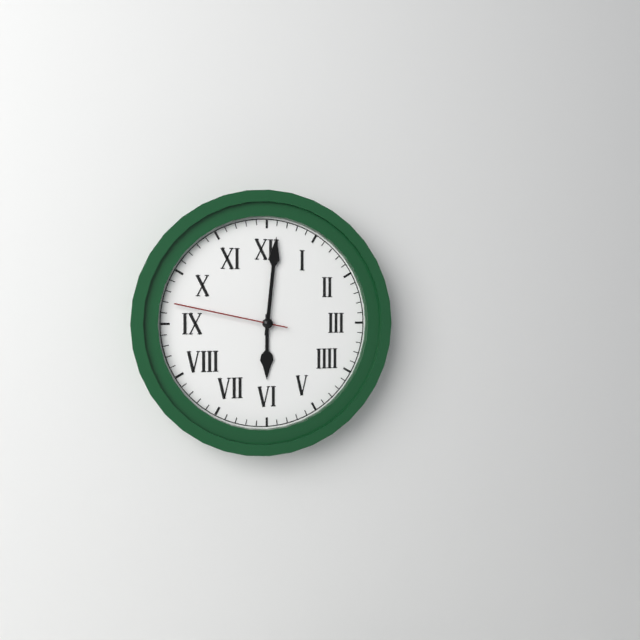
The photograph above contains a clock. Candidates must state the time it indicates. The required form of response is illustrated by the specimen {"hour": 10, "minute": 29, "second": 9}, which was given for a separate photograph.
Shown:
{"hour": 6, "minute": 1, "second": 47}
